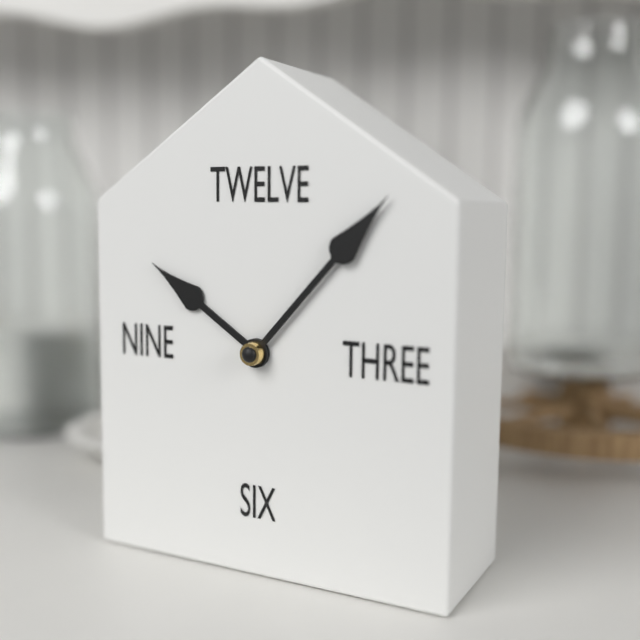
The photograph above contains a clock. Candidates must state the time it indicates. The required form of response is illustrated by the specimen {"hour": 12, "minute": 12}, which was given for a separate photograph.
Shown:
{"hour": 10, "minute": 7}
